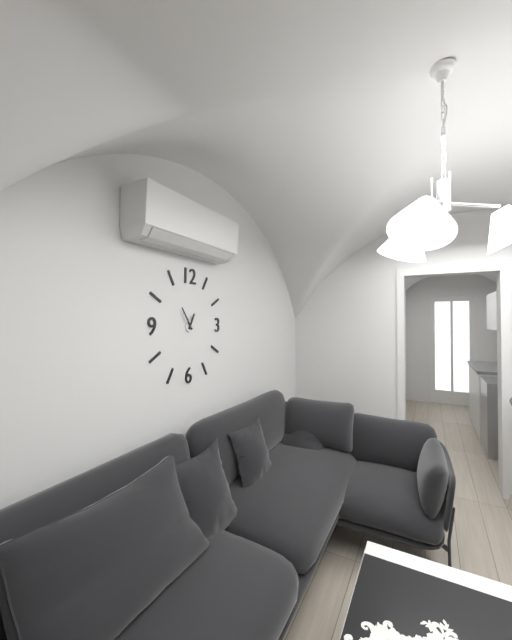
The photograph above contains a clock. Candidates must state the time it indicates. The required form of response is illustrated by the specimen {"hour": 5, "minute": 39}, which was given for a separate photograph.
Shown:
{"hour": 12, "minute": 54}
